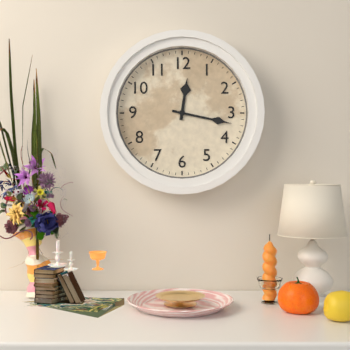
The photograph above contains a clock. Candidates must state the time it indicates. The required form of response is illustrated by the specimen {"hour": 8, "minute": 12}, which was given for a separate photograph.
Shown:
{"hour": 12, "minute": 17}
